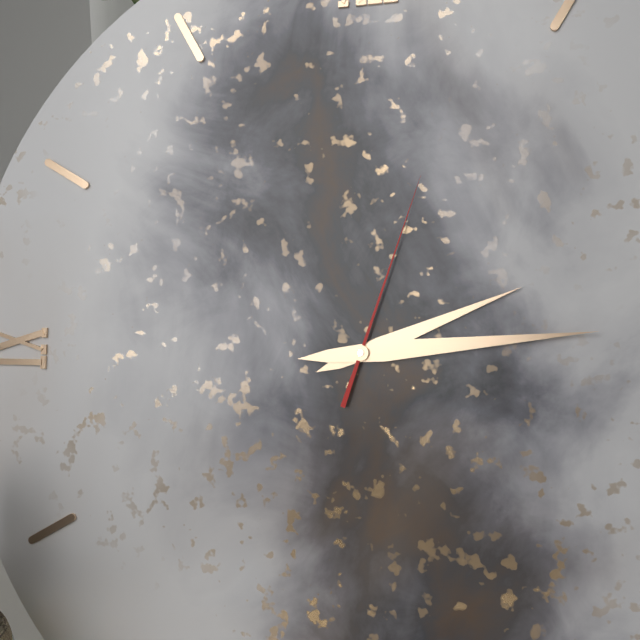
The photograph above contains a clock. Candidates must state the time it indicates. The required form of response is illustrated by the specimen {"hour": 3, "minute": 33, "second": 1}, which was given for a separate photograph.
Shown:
{"hour": 2, "minute": 14, "second": 3}
